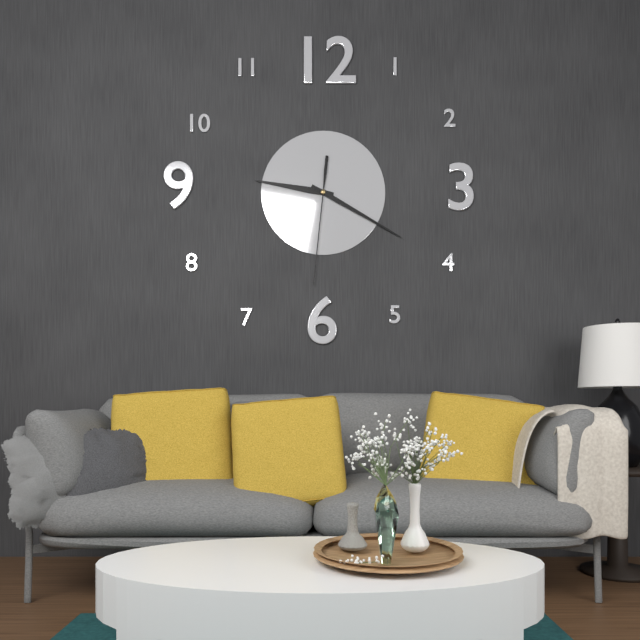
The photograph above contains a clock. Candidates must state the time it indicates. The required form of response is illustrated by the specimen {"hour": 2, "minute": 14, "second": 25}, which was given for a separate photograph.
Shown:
{"hour": 9, "minute": 20, "second": 31}
